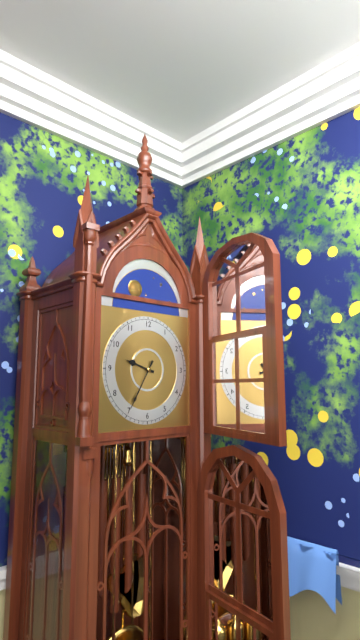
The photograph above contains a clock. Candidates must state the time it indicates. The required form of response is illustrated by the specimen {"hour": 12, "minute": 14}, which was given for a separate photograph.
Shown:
{"hour": 9, "minute": 35}
